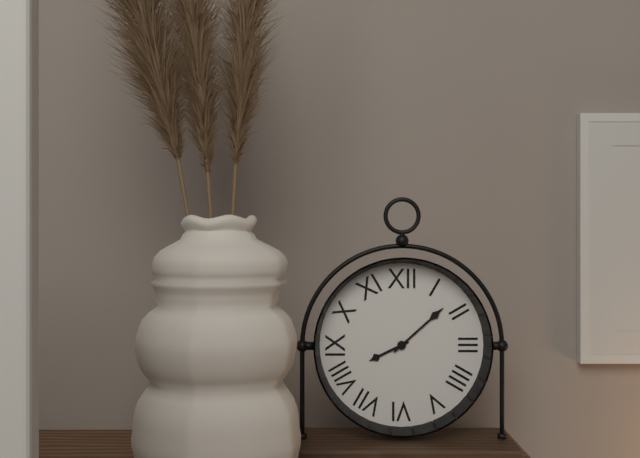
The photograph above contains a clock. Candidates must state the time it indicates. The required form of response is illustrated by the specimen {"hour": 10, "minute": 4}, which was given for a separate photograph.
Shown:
{"hour": 8, "minute": 8}
